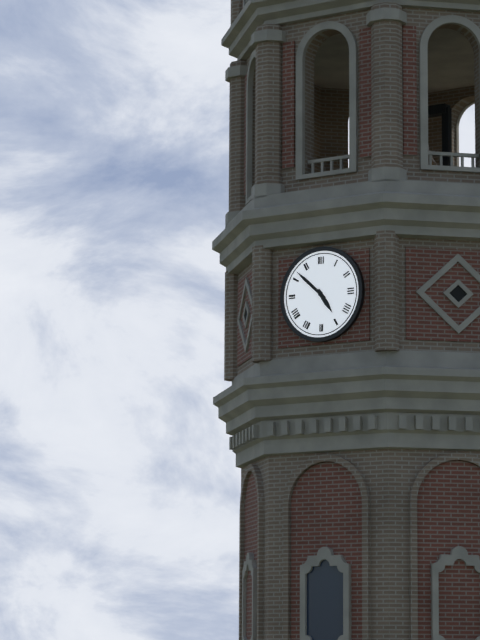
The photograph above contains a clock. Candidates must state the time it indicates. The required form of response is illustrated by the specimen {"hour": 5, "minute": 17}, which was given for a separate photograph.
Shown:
{"hour": 4, "minute": 52}
